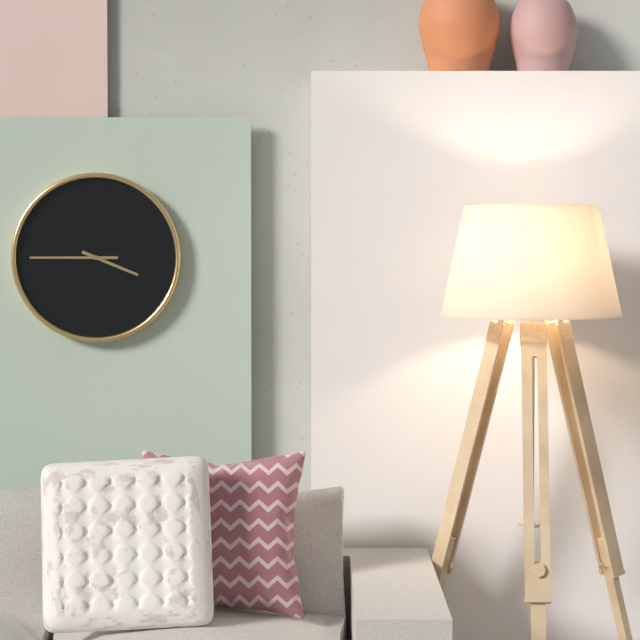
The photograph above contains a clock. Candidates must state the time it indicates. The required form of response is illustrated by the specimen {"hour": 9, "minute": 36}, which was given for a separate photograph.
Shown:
{"hour": 3, "minute": 45}
